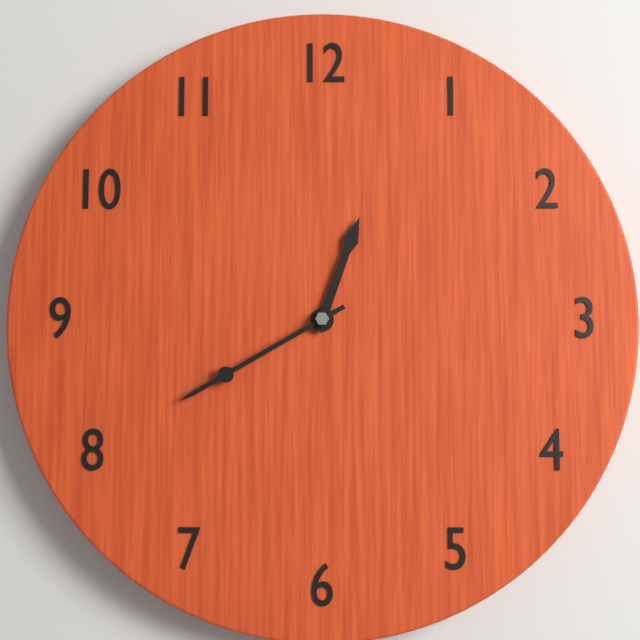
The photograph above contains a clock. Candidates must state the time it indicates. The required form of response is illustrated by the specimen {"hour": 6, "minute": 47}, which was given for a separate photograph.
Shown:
{"hour": 12, "minute": 40}
